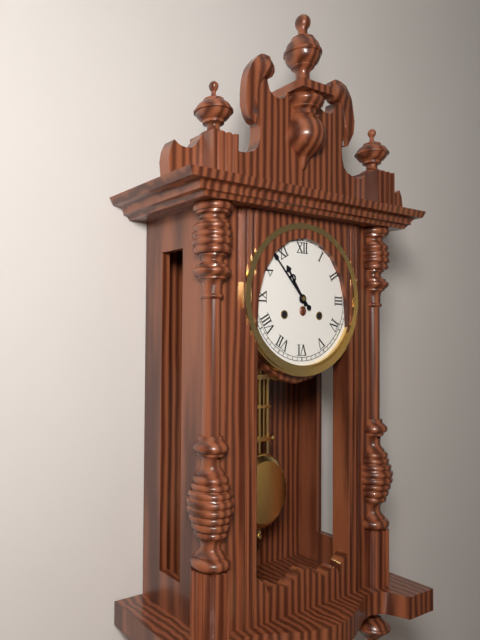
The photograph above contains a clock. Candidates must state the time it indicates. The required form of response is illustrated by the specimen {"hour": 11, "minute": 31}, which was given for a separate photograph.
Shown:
{"hour": 10, "minute": 53}
